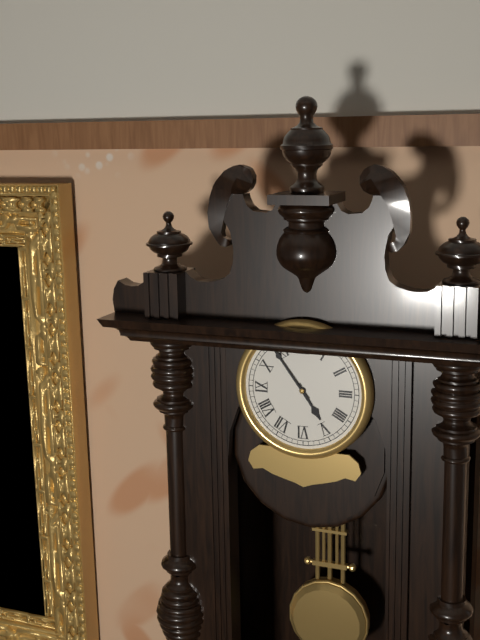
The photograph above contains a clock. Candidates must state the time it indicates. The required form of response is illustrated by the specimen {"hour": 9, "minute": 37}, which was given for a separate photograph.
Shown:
{"hour": 4, "minute": 54}
